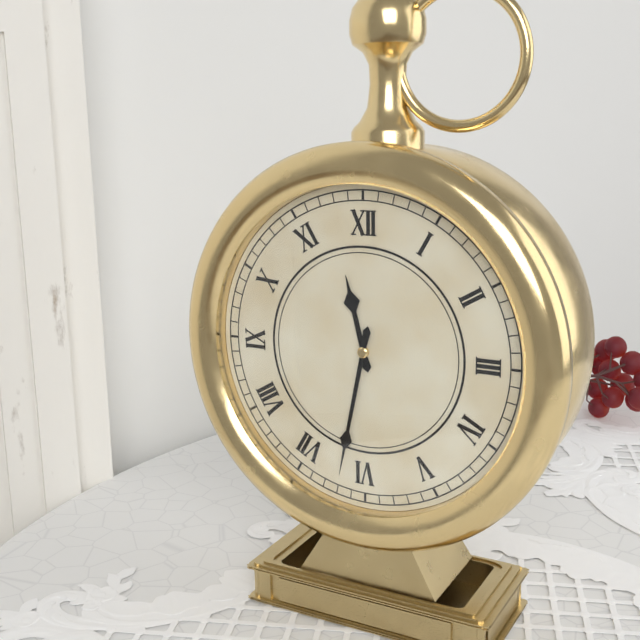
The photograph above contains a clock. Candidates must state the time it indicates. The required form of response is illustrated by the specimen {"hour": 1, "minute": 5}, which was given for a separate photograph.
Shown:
{"hour": 11, "minute": 32}
